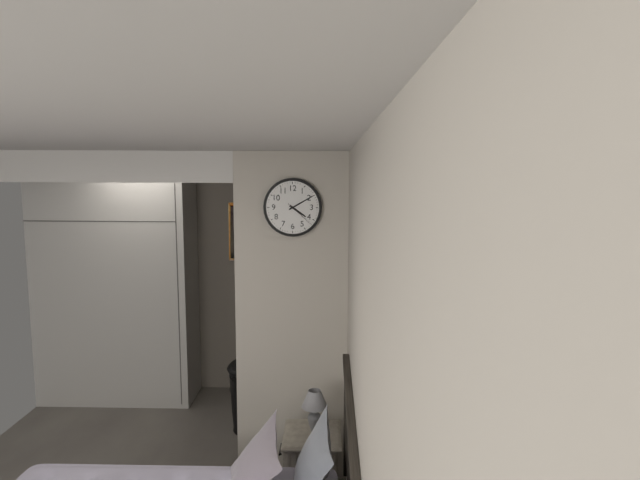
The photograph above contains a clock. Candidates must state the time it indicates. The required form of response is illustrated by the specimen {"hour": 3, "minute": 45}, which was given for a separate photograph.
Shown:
{"hour": 4, "minute": 10}
